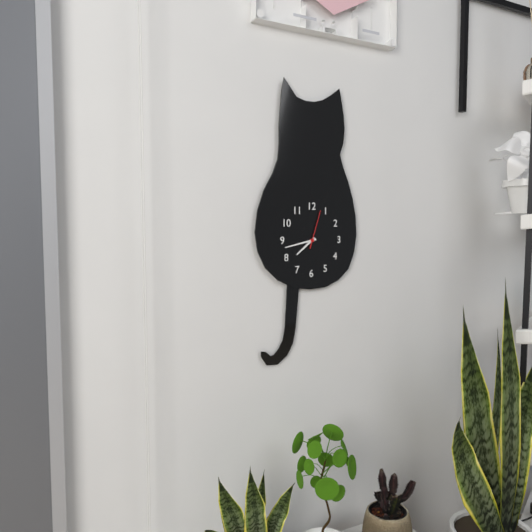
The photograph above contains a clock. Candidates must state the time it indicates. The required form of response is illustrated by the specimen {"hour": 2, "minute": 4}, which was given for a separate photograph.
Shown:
{"hour": 7, "minute": 43}
